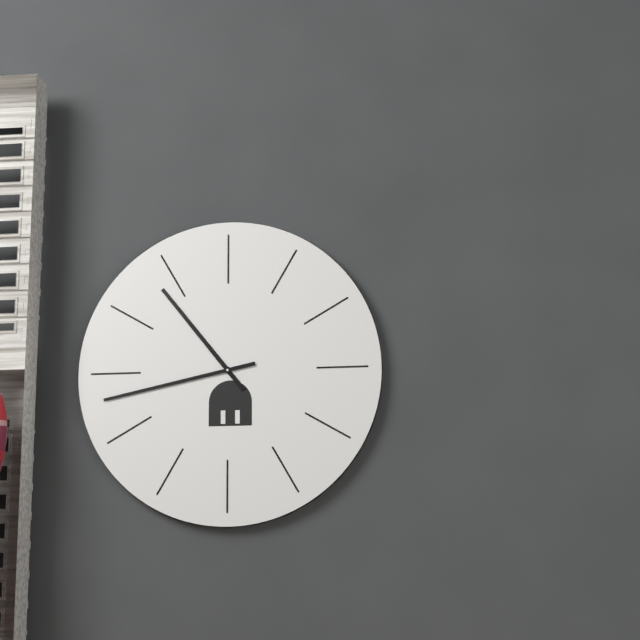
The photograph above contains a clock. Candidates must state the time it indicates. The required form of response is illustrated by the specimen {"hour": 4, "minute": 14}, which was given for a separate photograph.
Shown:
{"hour": 10, "minute": 43}
